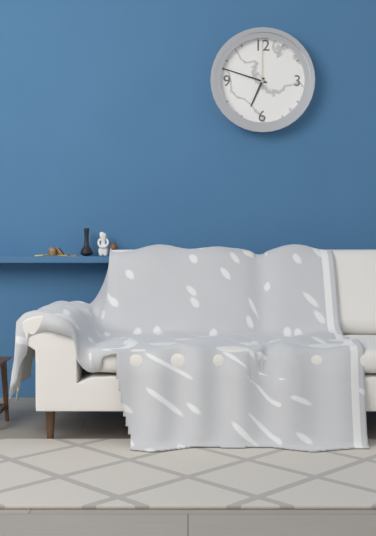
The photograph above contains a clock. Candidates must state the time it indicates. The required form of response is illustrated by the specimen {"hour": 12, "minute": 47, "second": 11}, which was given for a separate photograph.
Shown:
{"hour": 6, "minute": 48, "second": 0}
